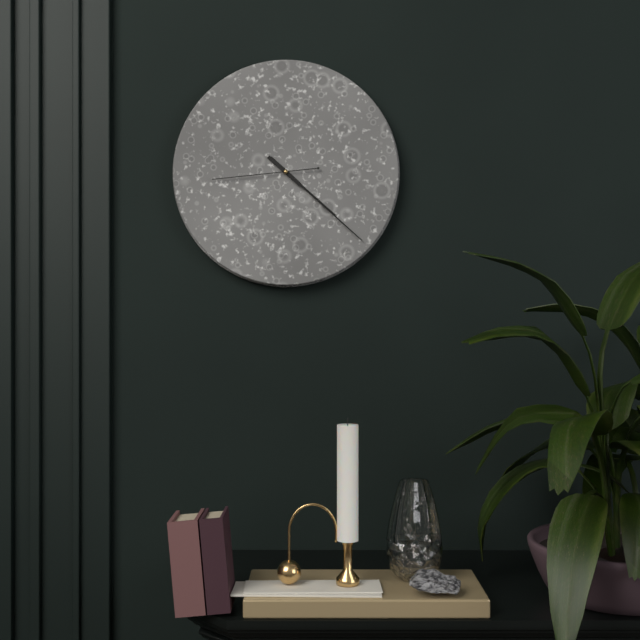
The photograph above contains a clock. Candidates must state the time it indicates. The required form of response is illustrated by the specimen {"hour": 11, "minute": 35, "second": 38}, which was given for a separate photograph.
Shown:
{"hour": 4, "minute": 22, "second": 44}
